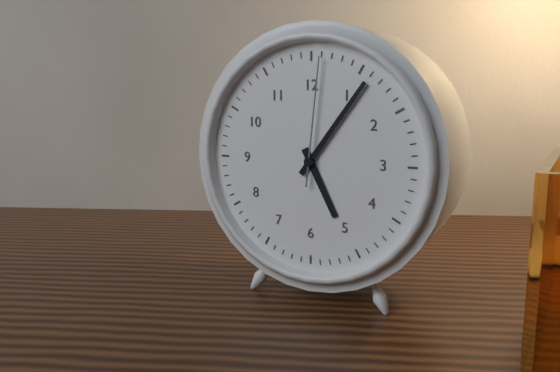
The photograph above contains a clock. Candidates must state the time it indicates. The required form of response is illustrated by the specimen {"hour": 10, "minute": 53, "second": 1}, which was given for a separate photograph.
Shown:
{"hour": 5, "minute": 6, "second": 1}
